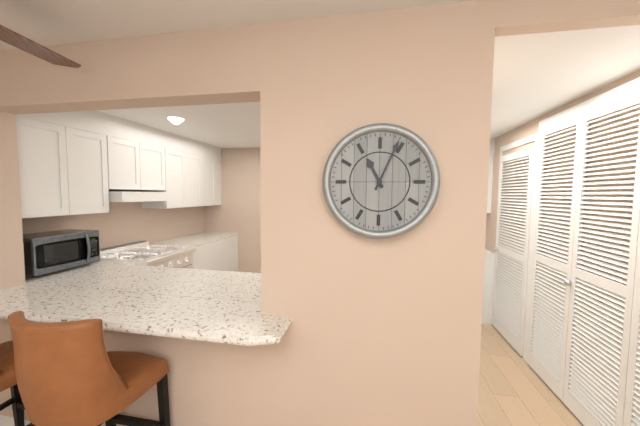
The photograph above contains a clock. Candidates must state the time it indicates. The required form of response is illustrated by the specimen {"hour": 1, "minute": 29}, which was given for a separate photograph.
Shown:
{"hour": 11, "minute": 4}
